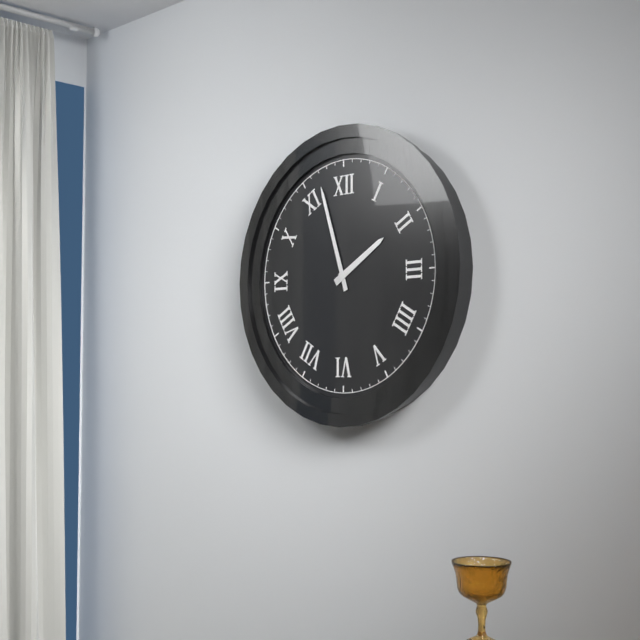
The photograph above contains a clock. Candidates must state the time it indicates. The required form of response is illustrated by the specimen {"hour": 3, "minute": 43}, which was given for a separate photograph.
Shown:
{"hour": 1, "minute": 57}
